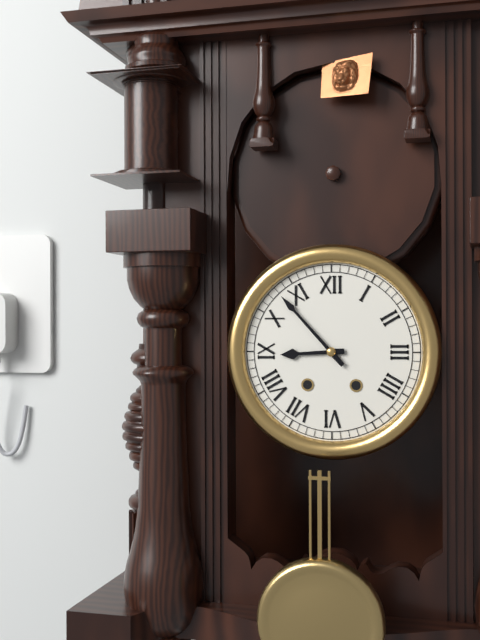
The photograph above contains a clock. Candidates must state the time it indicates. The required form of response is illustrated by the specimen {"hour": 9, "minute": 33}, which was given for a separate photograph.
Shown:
{"hour": 8, "minute": 53}
